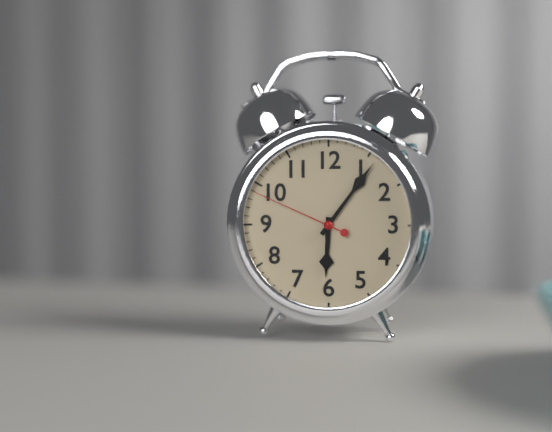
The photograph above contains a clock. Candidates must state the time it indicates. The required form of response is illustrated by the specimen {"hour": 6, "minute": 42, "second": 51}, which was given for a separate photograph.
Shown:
{"hour": 6, "minute": 6, "second": 49}
